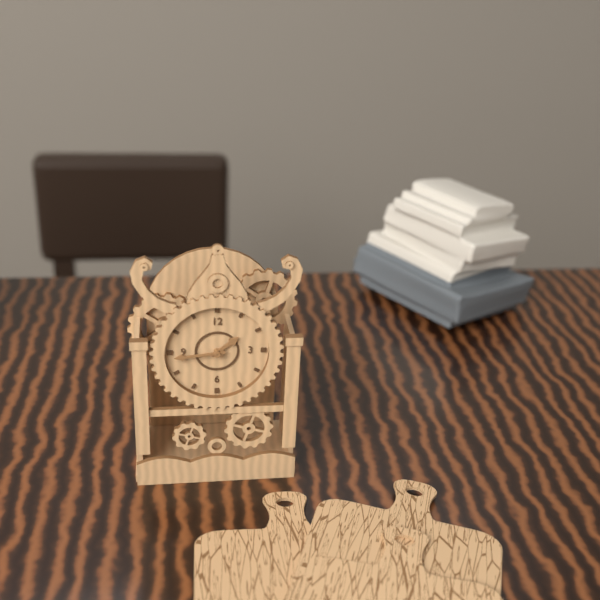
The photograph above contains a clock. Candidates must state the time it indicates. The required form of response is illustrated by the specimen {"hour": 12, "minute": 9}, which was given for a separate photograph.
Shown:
{"hour": 1, "minute": 44}
